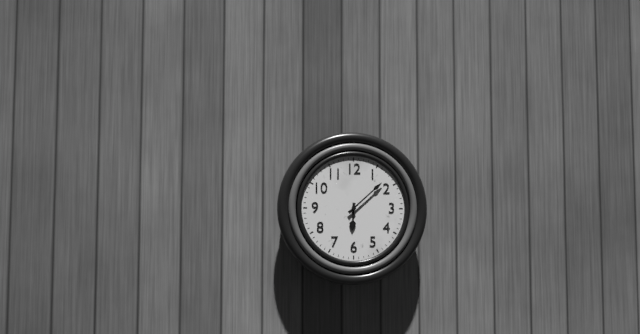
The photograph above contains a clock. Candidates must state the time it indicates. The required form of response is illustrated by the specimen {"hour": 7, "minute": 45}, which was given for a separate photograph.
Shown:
{"hour": 6, "minute": 8}
